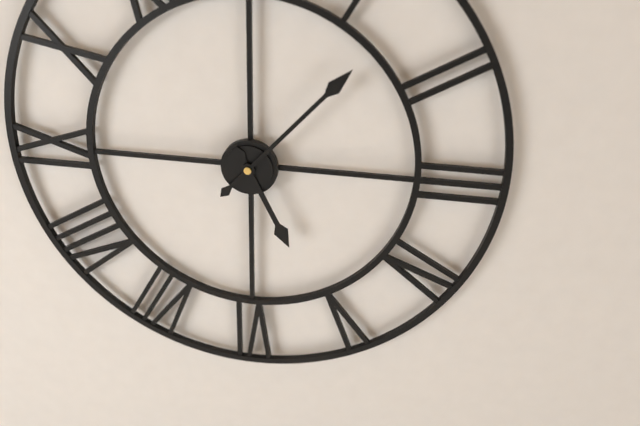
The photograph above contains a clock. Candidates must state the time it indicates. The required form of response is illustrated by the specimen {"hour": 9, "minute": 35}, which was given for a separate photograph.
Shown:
{"hour": 5, "minute": 7}
